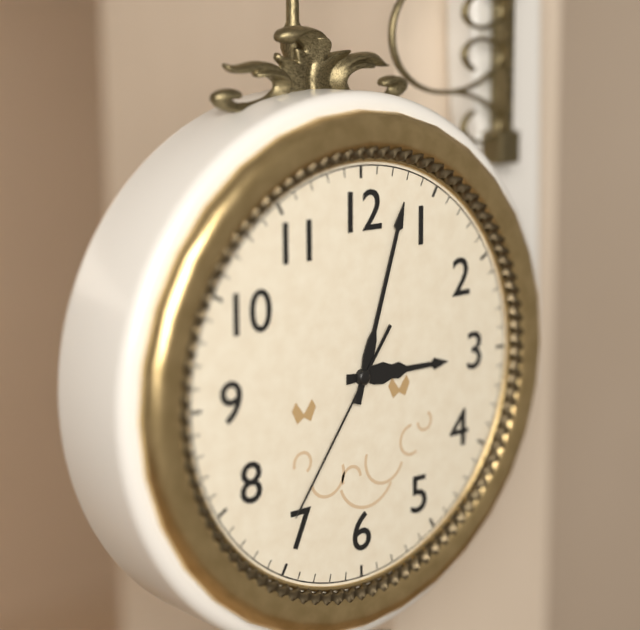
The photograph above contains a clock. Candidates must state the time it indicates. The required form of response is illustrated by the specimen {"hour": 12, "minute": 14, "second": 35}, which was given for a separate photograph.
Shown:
{"hour": 3, "minute": 3, "second": 36}
